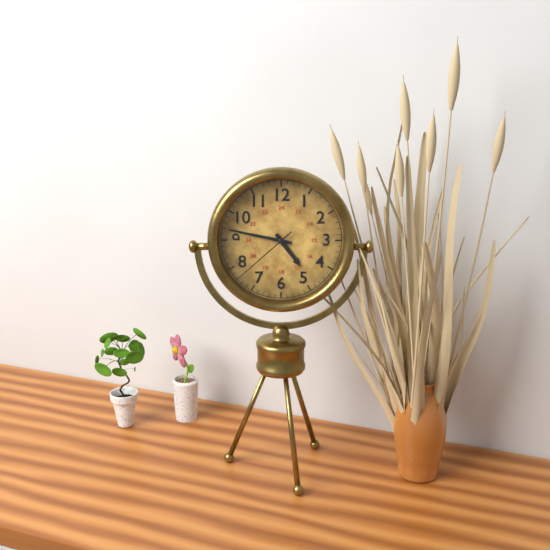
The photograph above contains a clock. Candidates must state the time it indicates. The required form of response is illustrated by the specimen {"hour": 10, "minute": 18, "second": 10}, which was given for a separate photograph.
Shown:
{"hour": 4, "minute": 47, "second": 38}
